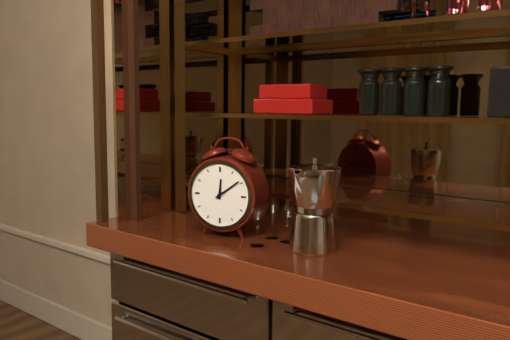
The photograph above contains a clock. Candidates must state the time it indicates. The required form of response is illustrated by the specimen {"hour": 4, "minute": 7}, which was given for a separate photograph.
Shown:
{"hour": 12, "minute": 9}
